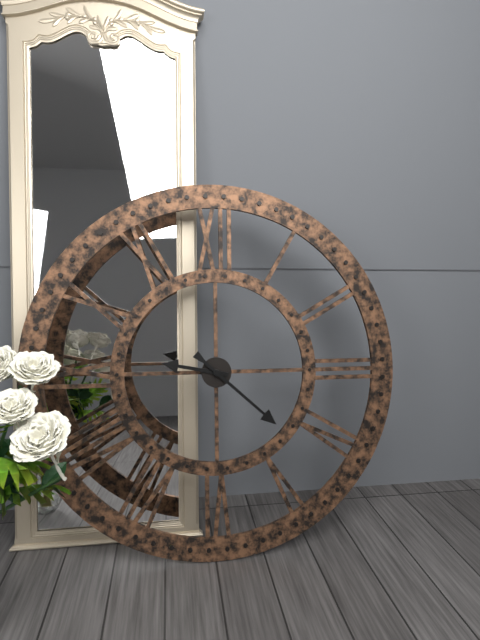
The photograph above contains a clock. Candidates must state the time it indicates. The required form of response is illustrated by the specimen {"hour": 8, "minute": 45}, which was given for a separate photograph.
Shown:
{"hour": 9, "minute": 22}
